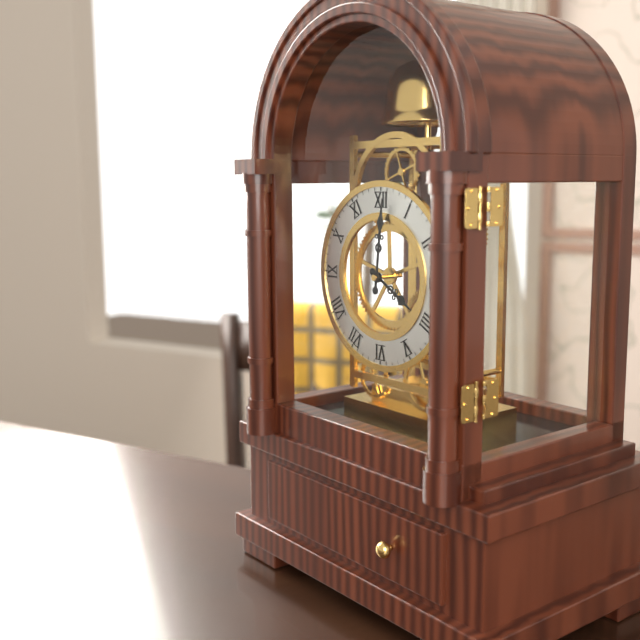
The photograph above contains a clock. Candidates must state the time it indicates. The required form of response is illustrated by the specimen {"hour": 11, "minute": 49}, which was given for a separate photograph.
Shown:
{"hour": 4, "minute": 1}
